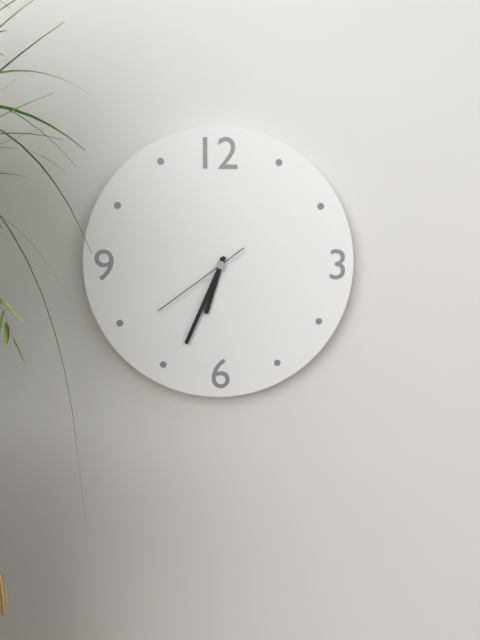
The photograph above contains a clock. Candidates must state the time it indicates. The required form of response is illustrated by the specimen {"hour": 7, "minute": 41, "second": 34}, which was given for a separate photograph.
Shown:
{"hour": 6, "minute": 34, "second": 39}
